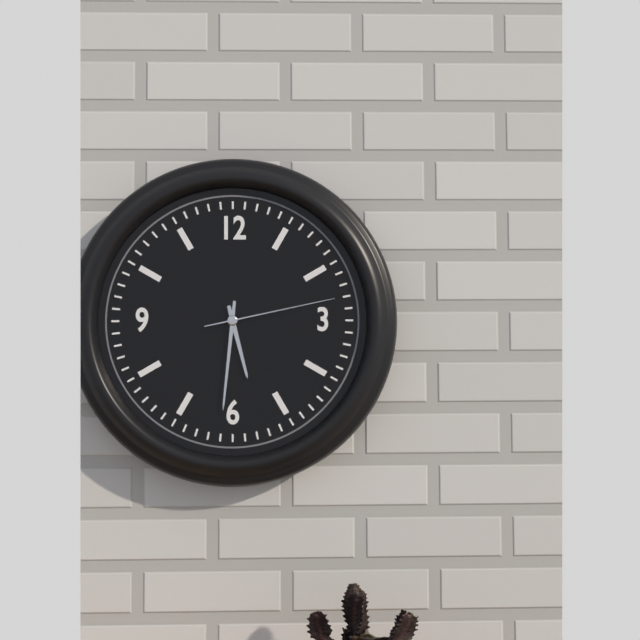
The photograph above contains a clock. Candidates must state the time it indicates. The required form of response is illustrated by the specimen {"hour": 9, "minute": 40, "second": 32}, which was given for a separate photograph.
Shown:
{"hour": 5, "minute": 31, "second": 13}
